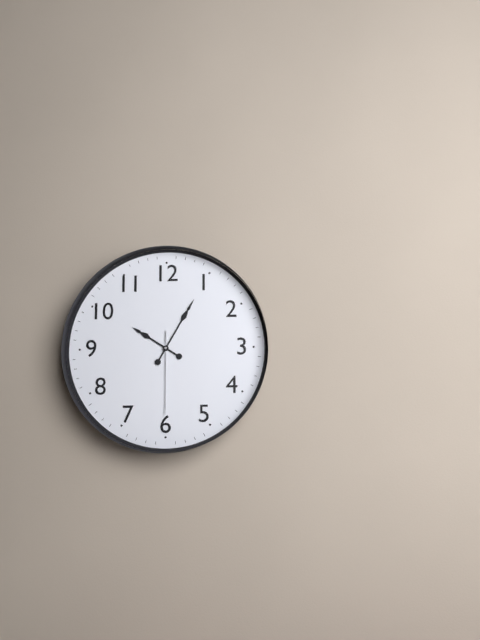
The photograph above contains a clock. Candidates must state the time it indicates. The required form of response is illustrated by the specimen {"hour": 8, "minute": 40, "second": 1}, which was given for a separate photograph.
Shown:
{"hour": 10, "minute": 5, "second": 30}
